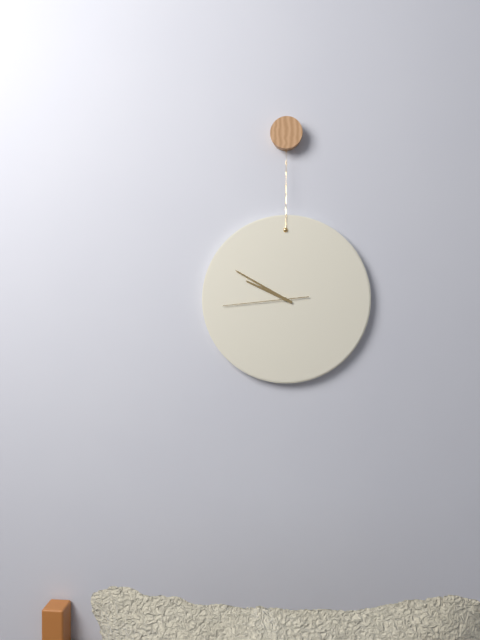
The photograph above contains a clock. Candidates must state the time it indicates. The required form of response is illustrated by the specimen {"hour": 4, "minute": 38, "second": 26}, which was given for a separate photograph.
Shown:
{"hour": 9, "minute": 50, "second": 44}
